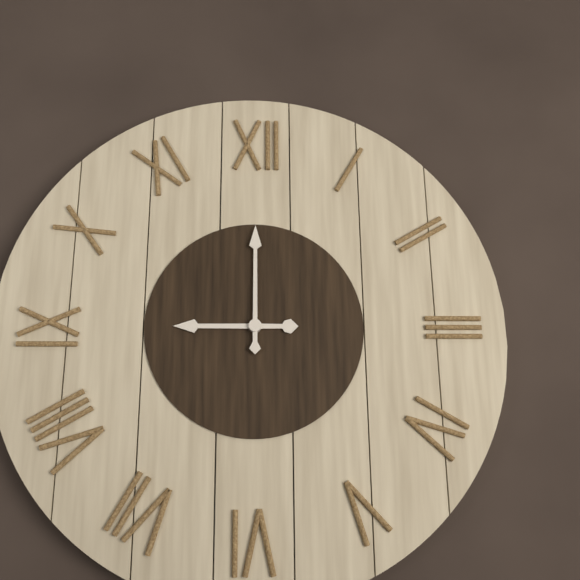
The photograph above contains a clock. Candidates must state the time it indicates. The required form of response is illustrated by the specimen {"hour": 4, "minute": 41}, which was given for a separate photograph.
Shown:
{"hour": 9, "minute": 0}
